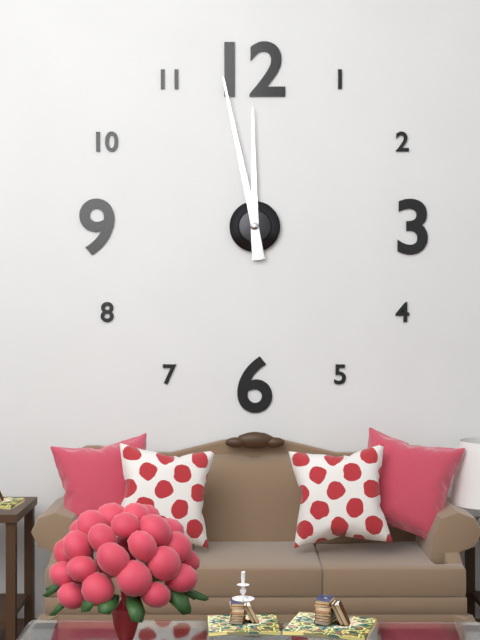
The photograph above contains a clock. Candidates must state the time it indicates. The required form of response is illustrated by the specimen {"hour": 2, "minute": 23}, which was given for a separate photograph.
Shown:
{"hour": 11, "minute": 58}
